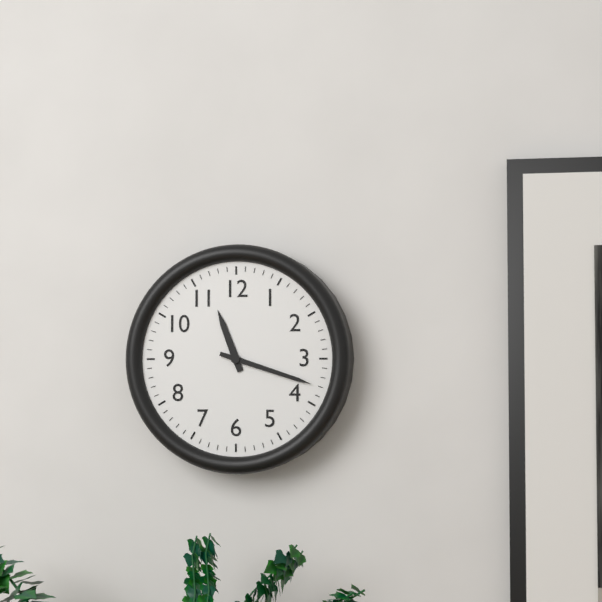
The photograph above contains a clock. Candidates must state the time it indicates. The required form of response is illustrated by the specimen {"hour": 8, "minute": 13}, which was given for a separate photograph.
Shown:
{"hour": 11, "minute": 18}
